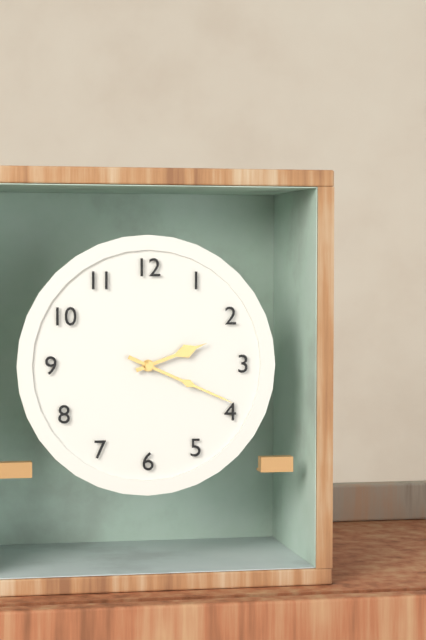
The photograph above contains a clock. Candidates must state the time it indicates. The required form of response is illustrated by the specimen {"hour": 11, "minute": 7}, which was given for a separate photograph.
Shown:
{"hour": 2, "minute": 19}
